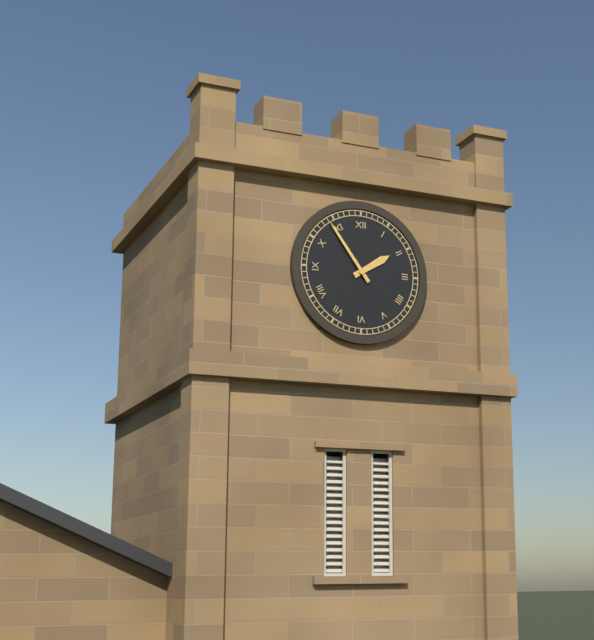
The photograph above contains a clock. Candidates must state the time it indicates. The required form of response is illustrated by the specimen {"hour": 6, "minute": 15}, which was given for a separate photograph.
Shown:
{"hour": 1, "minute": 54}
